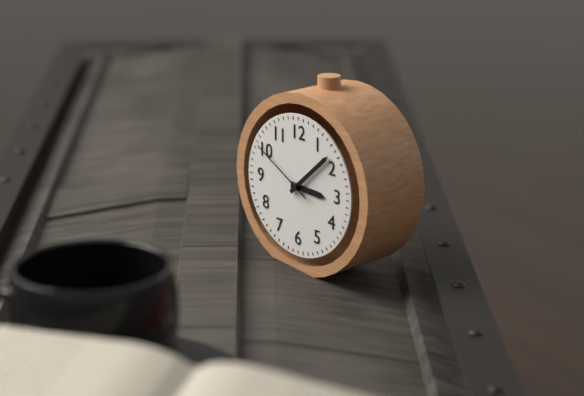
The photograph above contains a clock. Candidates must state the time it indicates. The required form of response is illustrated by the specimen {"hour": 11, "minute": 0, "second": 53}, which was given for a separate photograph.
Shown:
{"hour": 3, "minute": 8, "second": 50}
